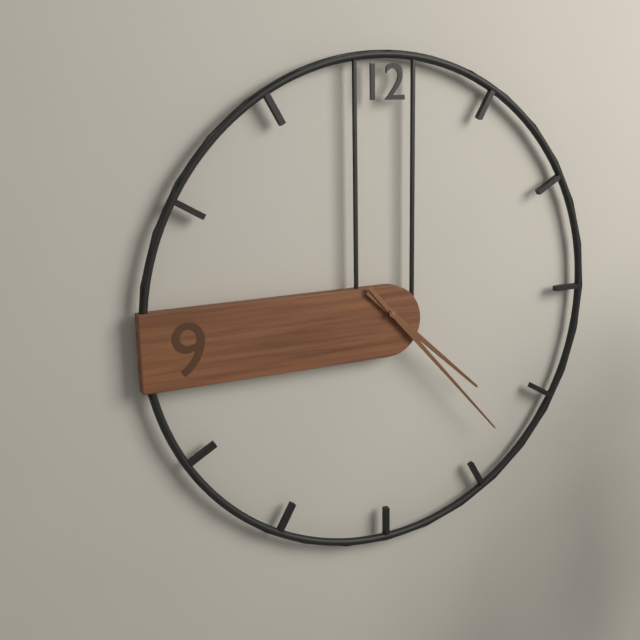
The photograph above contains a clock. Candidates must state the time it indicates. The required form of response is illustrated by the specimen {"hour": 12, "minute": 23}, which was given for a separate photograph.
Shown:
{"hour": 4, "minute": 23}
